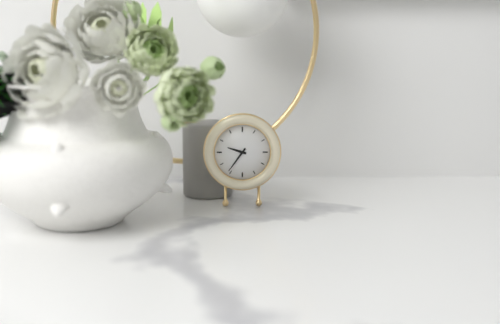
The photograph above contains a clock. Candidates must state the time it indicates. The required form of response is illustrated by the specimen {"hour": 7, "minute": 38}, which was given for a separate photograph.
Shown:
{"hour": 9, "minute": 36}
